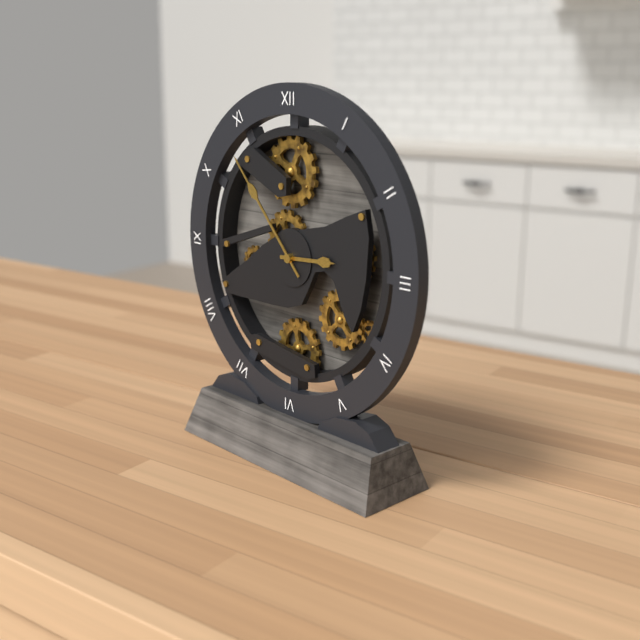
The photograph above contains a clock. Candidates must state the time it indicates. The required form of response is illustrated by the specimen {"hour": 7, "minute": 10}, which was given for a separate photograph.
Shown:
{"hour": 2, "minute": 53}
